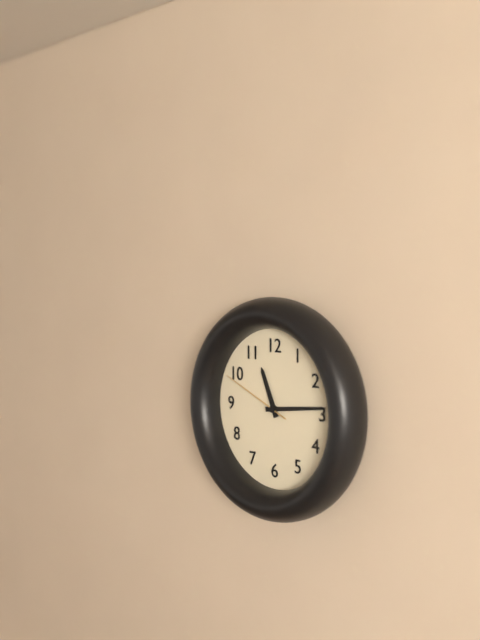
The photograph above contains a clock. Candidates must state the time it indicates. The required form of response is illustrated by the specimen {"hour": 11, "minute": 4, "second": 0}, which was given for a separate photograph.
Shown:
{"hour": 11, "minute": 14, "second": 49}
